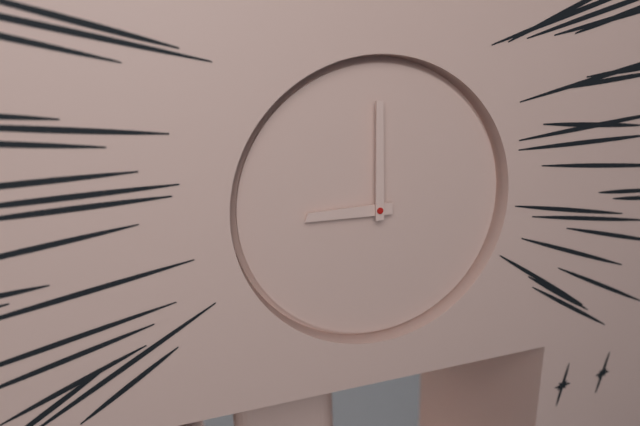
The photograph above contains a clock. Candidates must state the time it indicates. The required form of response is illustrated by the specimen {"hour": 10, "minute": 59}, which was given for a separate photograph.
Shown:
{"hour": 9, "minute": 0}
